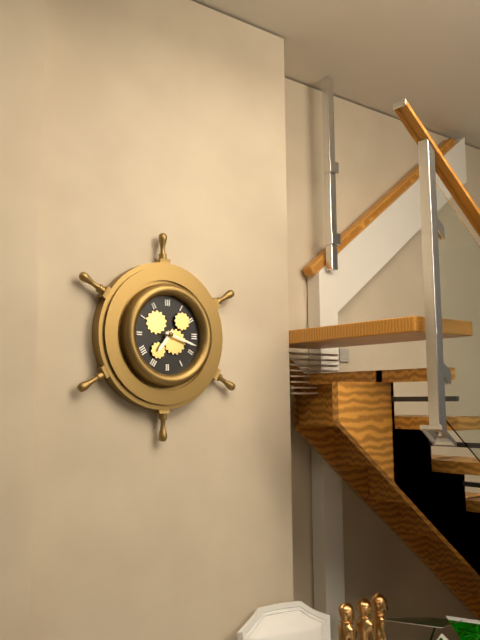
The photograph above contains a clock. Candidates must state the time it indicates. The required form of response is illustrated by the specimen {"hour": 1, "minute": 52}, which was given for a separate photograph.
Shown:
{"hour": 7, "minute": 18}
